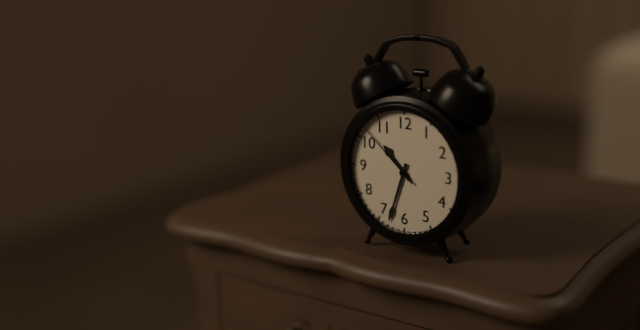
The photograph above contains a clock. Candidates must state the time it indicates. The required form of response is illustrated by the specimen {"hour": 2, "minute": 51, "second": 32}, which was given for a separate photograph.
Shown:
{"hour": 10, "minute": 33, "second": 52}
